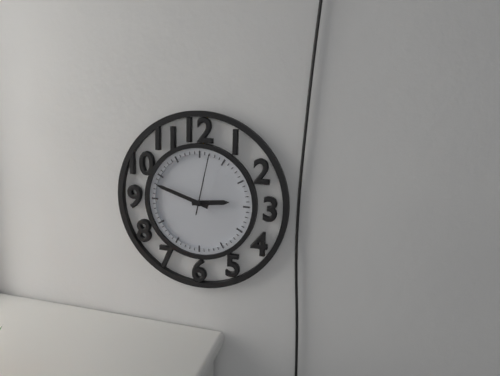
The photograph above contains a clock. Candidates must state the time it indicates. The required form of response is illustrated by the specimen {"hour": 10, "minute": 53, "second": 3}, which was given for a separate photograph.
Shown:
{"hour": 2, "minute": 48, "second": 2}
